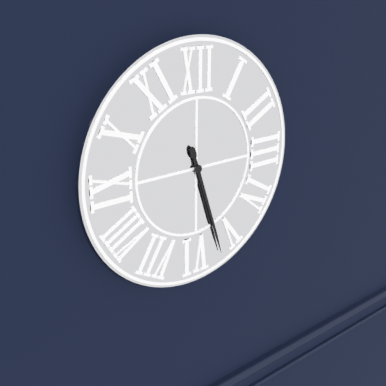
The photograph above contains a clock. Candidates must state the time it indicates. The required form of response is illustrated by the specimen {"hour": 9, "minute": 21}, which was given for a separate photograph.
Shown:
{"hour": 5, "minute": 27}
